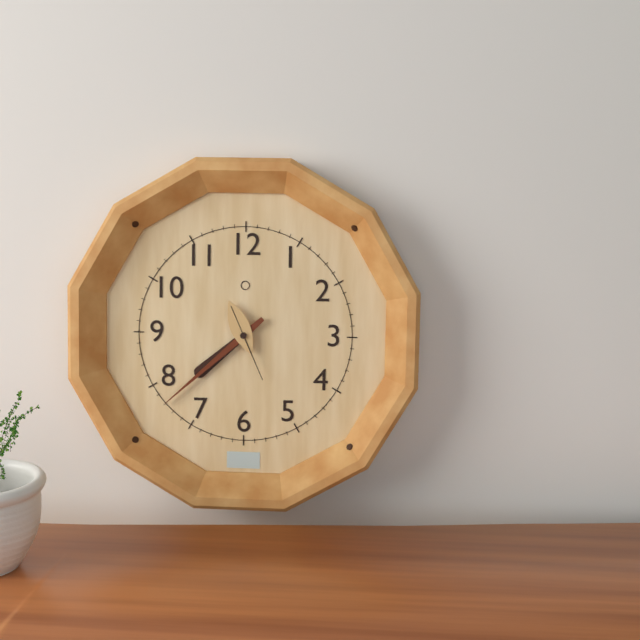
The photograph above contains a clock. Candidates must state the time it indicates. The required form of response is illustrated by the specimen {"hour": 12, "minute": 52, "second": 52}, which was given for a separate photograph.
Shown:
{"hour": 7, "minute": 38, "second": 26}
